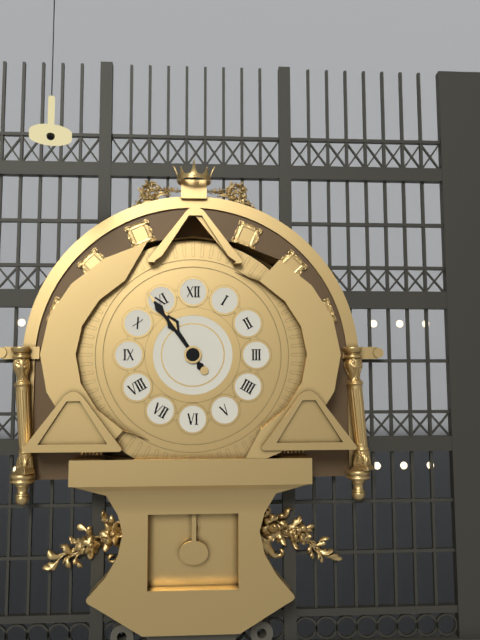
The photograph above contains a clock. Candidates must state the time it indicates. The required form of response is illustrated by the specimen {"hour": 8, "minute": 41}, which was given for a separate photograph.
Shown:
{"hour": 10, "minute": 54}
